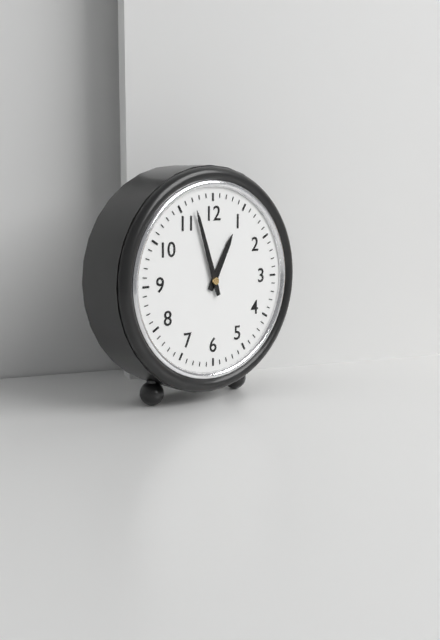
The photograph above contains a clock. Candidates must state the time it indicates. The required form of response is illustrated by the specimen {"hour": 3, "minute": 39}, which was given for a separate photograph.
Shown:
{"hour": 12, "minute": 57}
